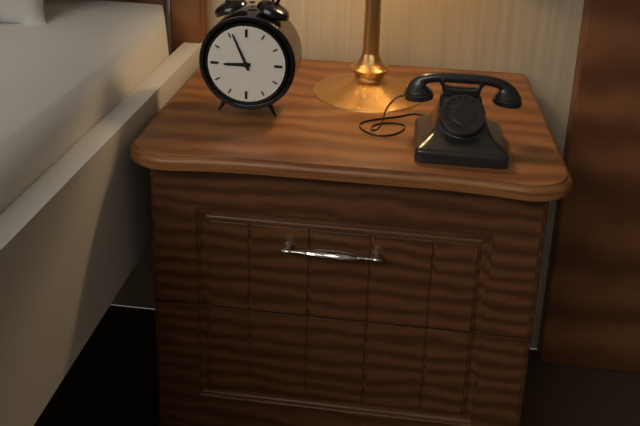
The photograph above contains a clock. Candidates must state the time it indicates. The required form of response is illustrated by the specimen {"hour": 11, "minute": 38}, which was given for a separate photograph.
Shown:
{"hour": 8, "minute": 56}
